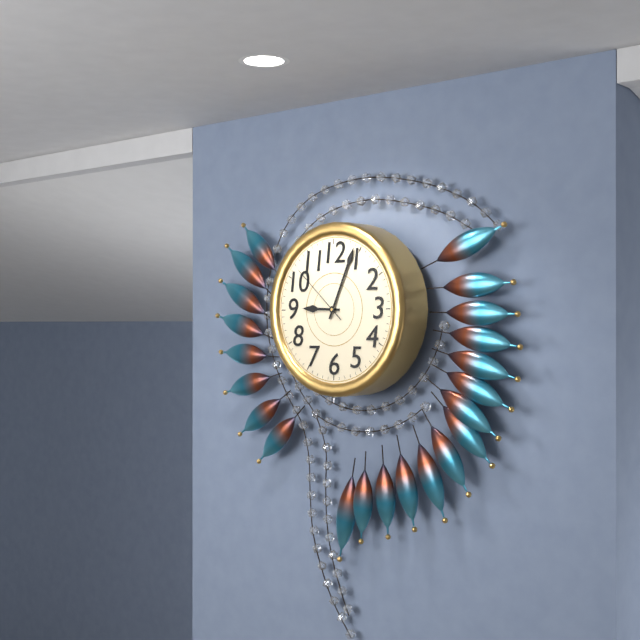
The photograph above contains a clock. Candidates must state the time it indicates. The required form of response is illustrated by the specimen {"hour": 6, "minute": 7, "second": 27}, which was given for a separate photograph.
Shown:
{"hour": 9, "minute": 4, "second": 52}
